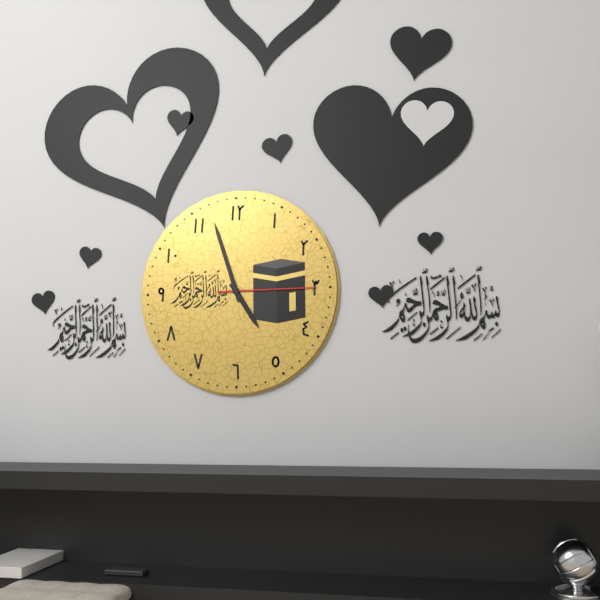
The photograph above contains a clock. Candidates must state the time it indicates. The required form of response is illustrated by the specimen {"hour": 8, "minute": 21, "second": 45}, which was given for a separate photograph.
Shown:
{"hour": 4, "minute": 57, "second": 15}
